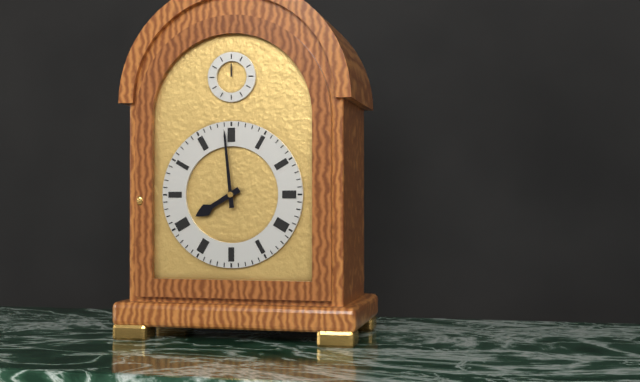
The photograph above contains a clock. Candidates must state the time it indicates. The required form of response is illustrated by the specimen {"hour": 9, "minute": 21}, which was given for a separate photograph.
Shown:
{"hour": 7, "minute": 59}
